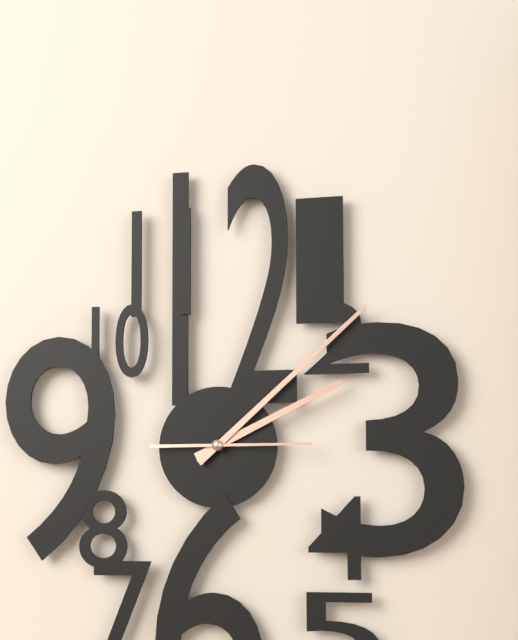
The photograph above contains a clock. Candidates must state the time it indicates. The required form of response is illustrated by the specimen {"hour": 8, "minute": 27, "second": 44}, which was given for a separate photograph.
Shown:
{"hour": 2, "minute": 8, "second": 15}
